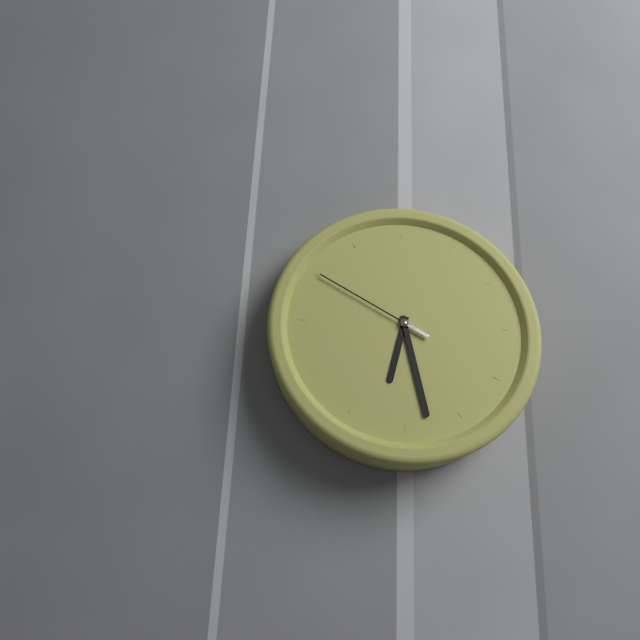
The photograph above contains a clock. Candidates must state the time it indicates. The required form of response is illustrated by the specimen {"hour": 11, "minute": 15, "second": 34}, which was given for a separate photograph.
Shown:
{"hour": 6, "minute": 28, "second": 50}
